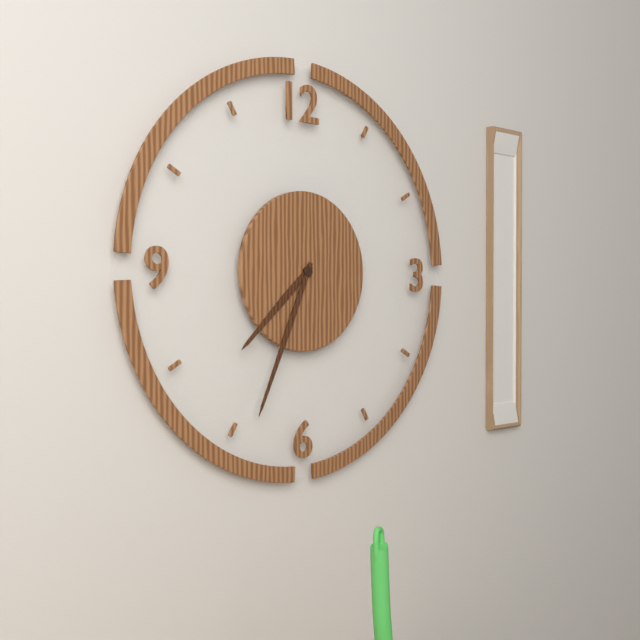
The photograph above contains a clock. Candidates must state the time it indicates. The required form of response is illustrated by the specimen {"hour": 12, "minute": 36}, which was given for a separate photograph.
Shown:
{"hour": 7, "minute": 34}
